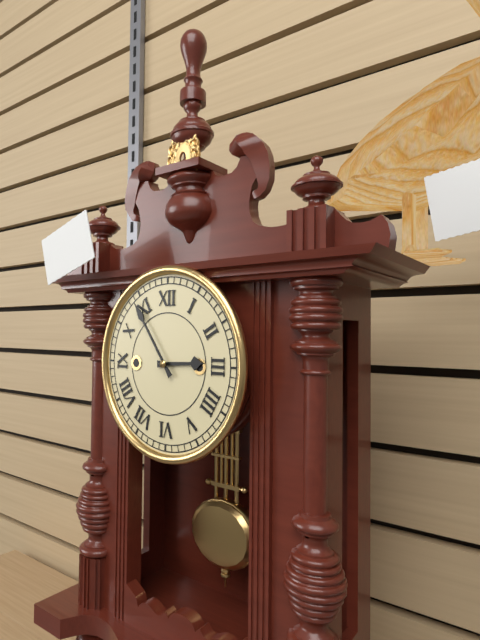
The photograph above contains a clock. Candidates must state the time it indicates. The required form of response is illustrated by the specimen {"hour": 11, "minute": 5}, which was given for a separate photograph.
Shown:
{"hour": 2, "minute": 54}
